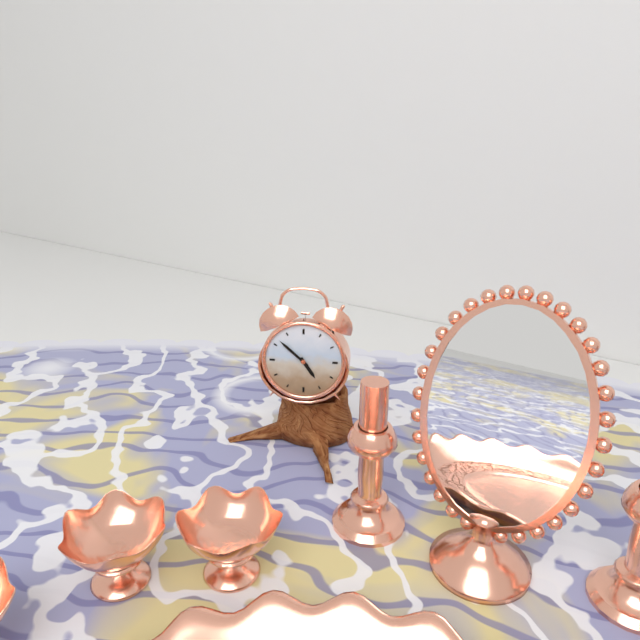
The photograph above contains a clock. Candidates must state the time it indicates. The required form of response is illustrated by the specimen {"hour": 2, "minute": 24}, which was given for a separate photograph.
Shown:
{"hour": 4, "minute": 52}
